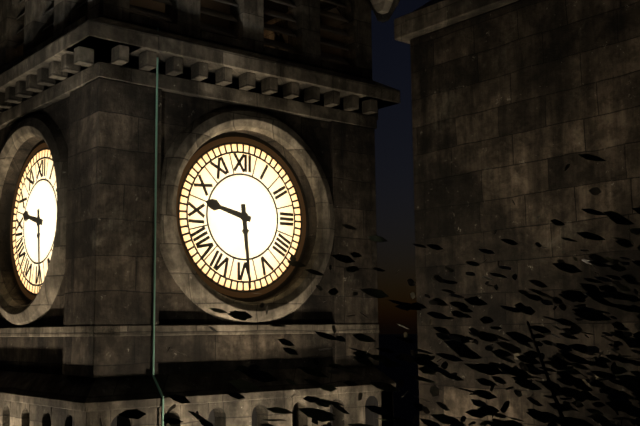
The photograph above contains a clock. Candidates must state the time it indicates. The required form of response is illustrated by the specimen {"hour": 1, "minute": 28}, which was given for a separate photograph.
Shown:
{"hour": 9, "minute": 29}
